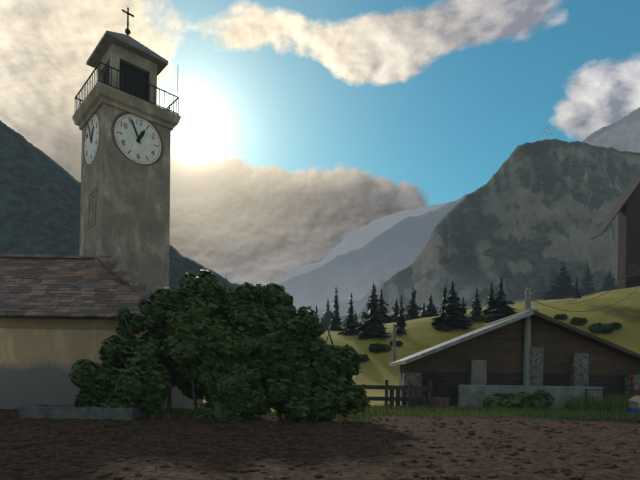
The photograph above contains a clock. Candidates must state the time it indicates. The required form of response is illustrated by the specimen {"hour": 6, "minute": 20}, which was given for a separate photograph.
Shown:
{"hour": 12, "minute": 56}
